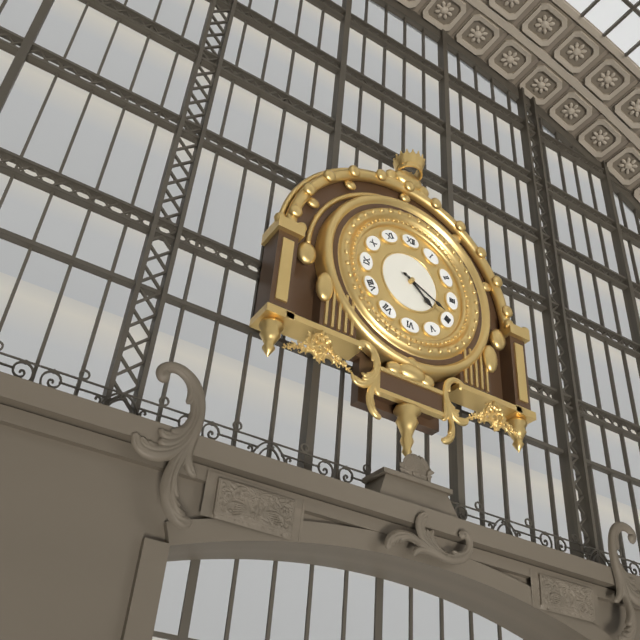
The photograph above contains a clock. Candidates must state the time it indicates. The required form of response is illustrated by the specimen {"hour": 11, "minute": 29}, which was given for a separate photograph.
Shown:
{"hour": 4, "minute": 19}
